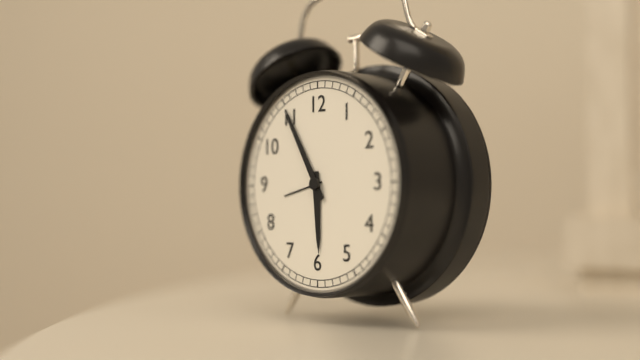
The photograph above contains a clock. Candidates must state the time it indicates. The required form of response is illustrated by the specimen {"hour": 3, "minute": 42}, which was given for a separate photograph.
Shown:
{"hour": 5, "minute": 55}
